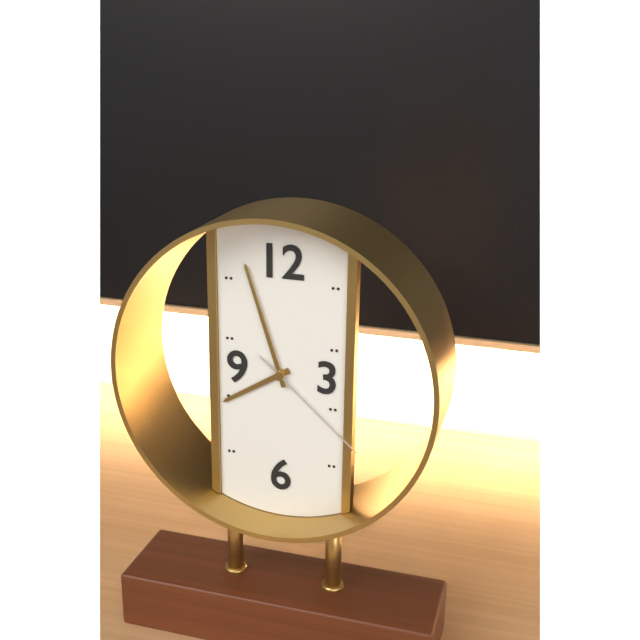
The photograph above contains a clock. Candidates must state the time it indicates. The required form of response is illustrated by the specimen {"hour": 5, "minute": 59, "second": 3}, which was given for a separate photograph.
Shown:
{"hour": 7, "minute": 57, "second": 22}
